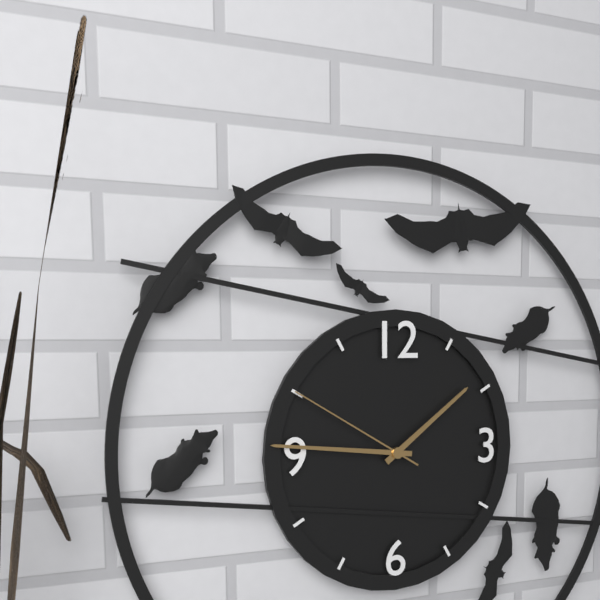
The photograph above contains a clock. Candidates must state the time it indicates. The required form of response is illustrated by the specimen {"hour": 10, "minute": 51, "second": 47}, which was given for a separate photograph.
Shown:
{"hour": 1, "minute": 46, "second": 50}
